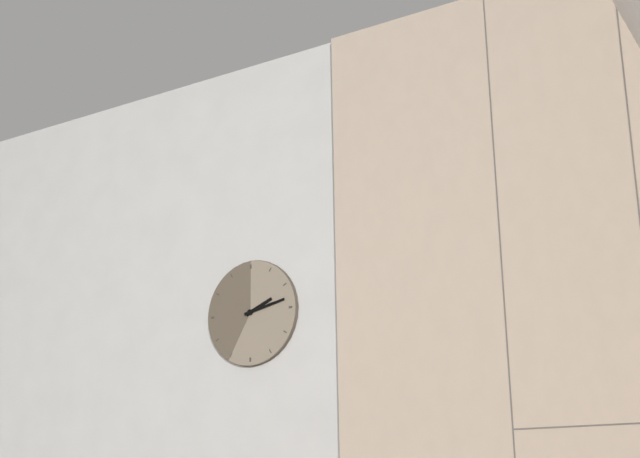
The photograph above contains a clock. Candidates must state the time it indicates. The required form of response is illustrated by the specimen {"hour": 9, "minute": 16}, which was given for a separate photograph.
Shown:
{"hour": 2, "minute": 13}
